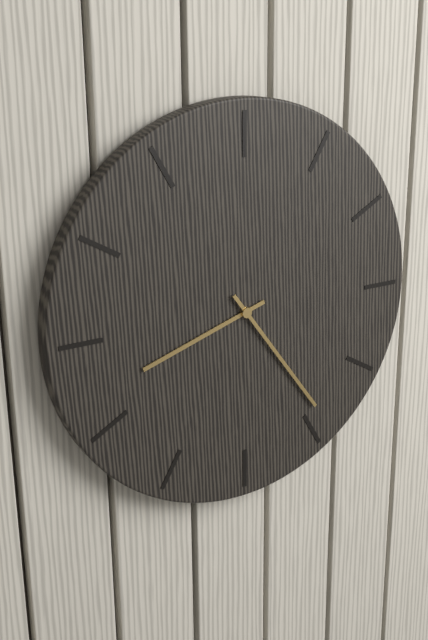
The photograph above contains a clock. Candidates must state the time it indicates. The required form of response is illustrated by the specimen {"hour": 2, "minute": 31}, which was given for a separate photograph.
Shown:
{"hour": 8, "minute": 24}
